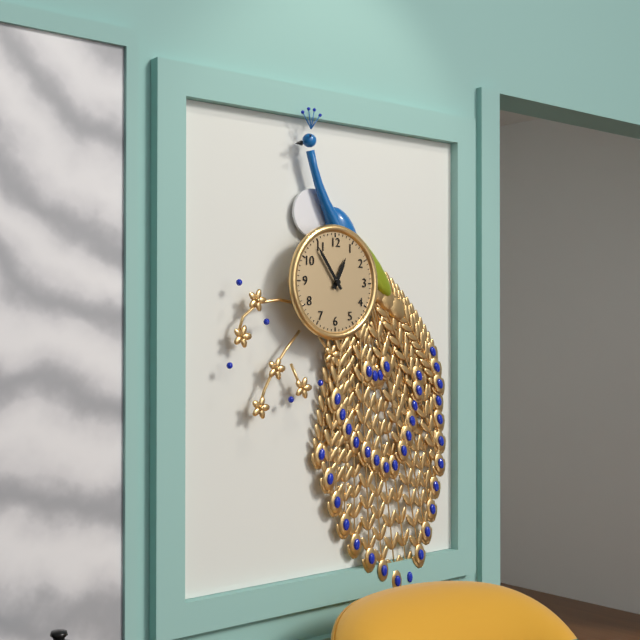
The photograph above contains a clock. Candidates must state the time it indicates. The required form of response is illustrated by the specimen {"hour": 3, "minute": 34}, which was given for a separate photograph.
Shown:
{"hour": 12, "minute": 54}
